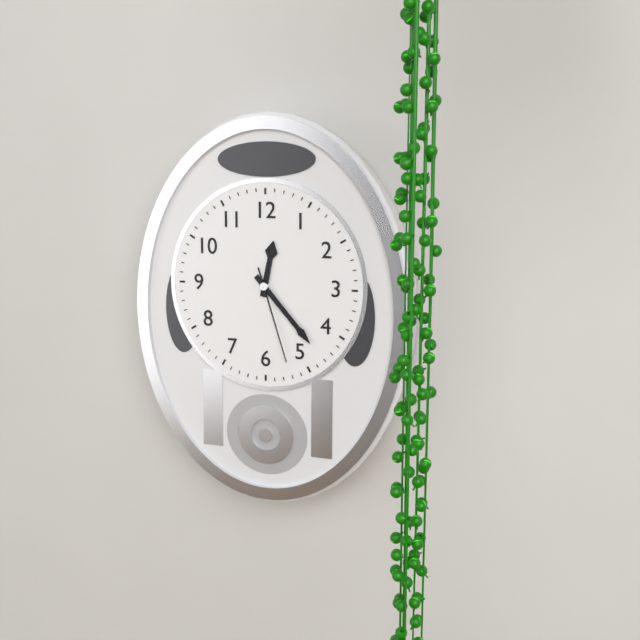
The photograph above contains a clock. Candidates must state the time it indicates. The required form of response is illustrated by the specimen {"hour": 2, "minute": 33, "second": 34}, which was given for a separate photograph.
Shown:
{"hour": 12, "minute": 23, "second": 27}
